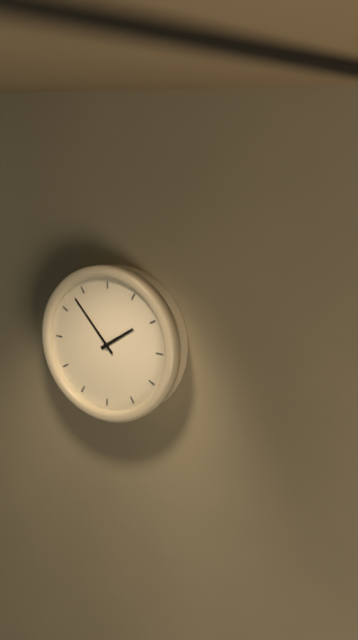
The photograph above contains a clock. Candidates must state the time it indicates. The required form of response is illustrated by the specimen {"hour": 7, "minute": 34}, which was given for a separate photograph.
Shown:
{"hour": 1, "minute": 53}
